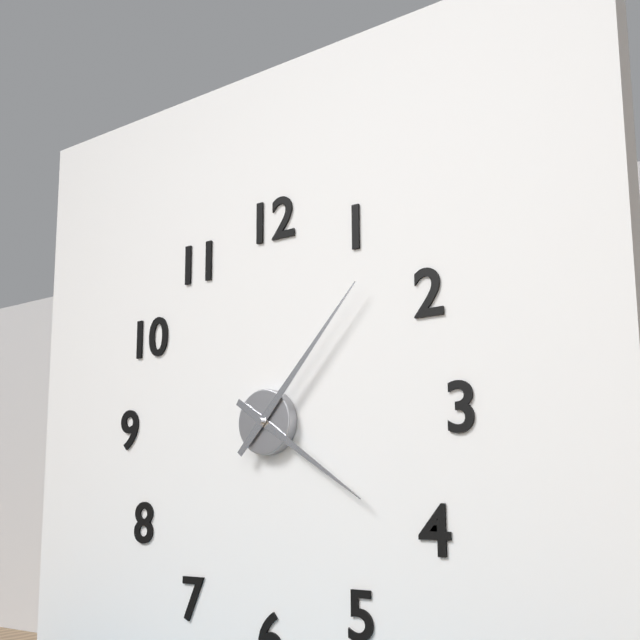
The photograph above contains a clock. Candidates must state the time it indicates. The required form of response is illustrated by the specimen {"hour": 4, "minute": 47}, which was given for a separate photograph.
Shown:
{"hour": 4, "minute": 7}
